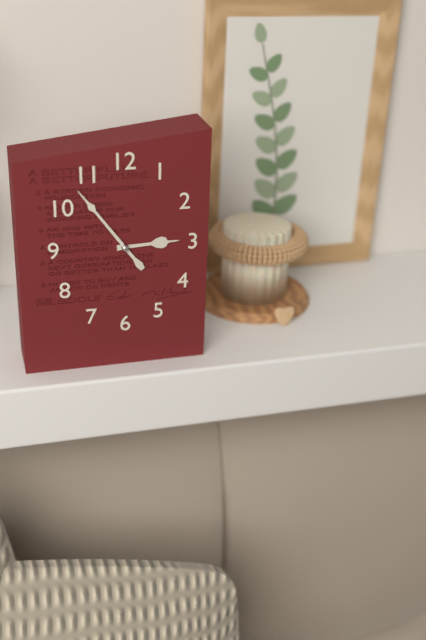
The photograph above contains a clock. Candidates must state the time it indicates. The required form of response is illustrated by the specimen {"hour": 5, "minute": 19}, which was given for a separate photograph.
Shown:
{"hour": 2, "minute": 54}
